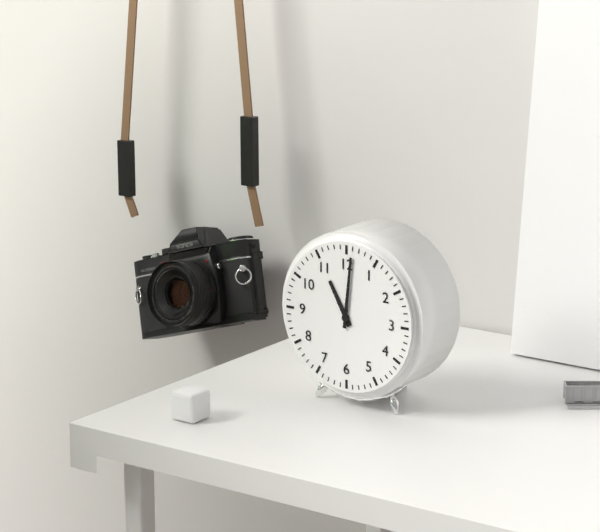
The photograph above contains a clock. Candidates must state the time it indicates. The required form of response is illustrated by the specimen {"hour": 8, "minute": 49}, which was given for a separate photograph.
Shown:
{"hour": 11, "minute": 1}
